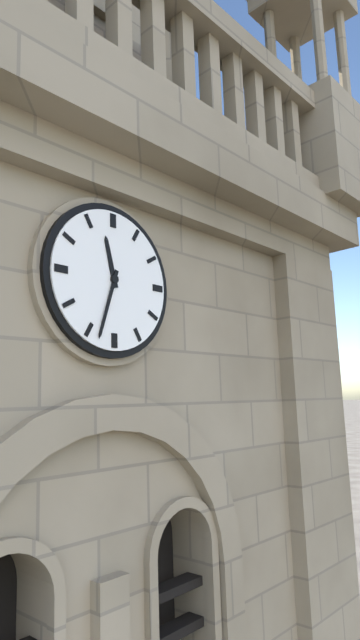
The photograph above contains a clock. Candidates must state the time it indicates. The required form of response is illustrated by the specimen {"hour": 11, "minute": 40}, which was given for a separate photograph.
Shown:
{"hour": 11, "minute": 33}
